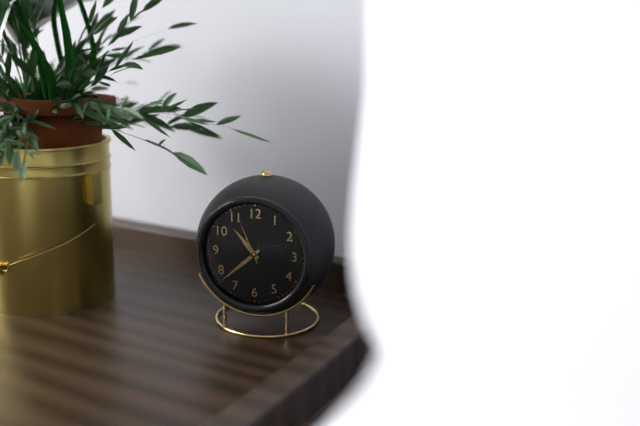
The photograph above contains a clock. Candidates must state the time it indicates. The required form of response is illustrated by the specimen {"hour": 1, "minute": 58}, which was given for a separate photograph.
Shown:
{"hour": 10, "minute": 38}
